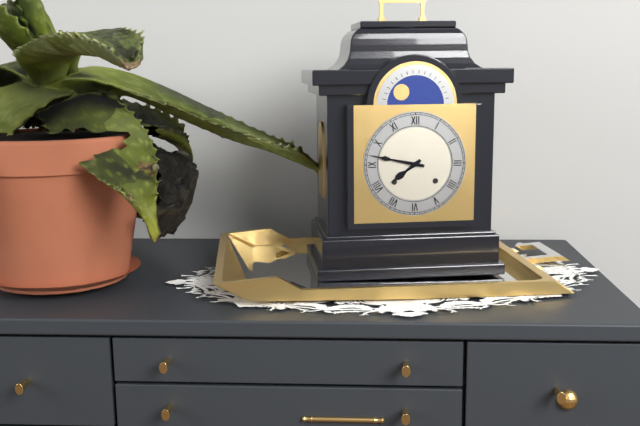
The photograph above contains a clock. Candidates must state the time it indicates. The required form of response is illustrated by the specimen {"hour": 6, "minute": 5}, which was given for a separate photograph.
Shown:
{"hour": 7, "minute": 47}
